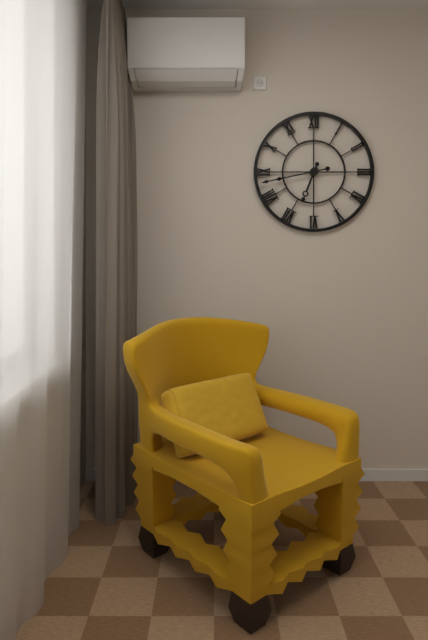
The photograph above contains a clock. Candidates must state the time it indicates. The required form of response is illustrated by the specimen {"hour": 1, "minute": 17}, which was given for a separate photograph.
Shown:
{"hour": 6, "minute": 43}
